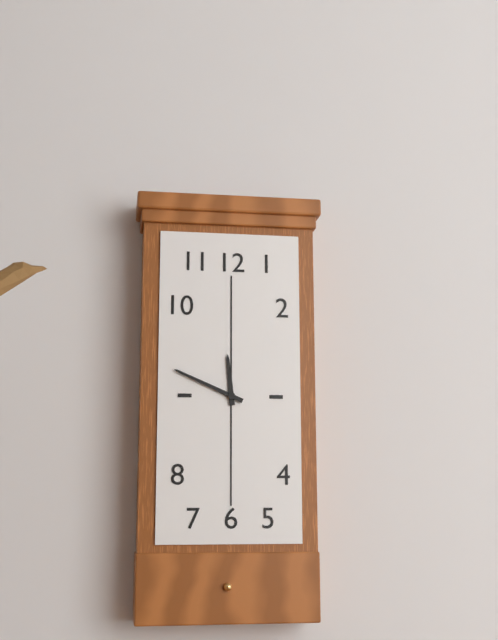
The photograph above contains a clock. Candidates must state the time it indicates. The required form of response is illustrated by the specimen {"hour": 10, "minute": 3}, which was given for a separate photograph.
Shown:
{"hour": 11, "minute": 49}
